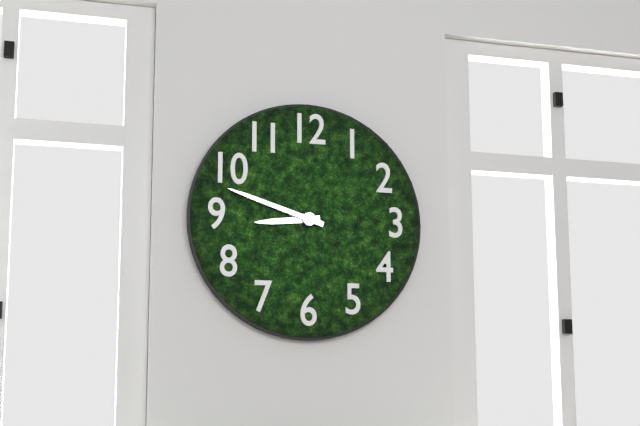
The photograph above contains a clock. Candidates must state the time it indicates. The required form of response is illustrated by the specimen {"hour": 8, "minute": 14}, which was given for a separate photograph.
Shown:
{"hour": 8, "minute": 48}
